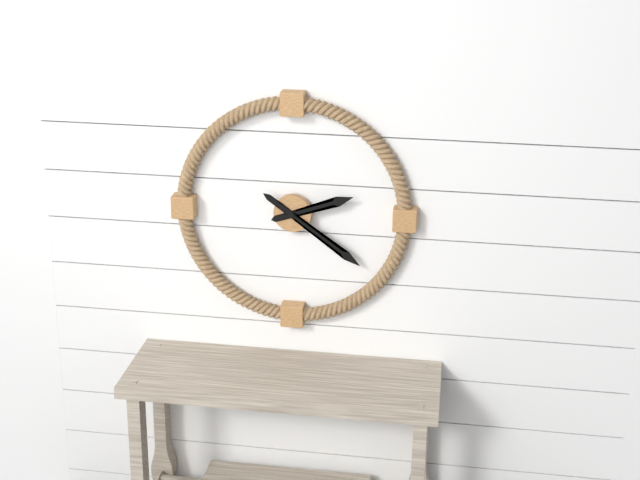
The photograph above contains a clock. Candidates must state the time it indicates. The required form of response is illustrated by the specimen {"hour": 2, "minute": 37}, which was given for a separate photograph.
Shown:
{"hour": 2, "minute": 21}
